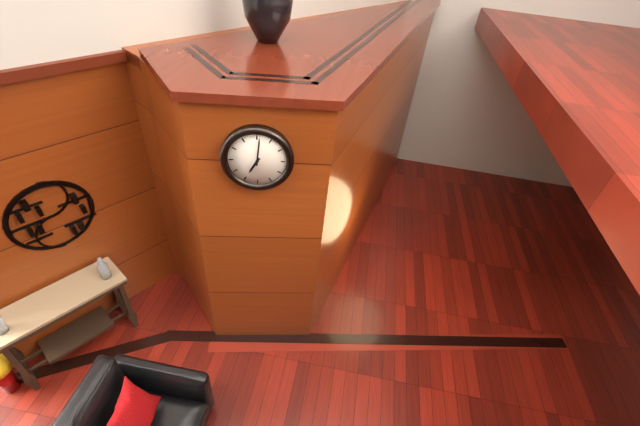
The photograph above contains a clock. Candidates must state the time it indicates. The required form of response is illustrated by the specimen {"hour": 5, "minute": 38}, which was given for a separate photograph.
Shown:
{"hour": 7, "minute": 1}
